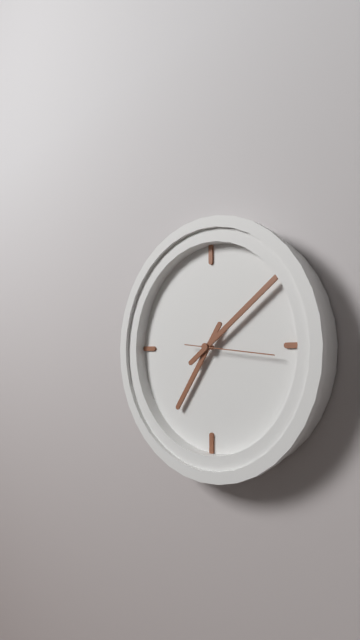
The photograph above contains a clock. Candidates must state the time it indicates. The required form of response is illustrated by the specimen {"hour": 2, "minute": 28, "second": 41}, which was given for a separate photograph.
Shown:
{"hour": 7, "minute": 9, "second": 16}
